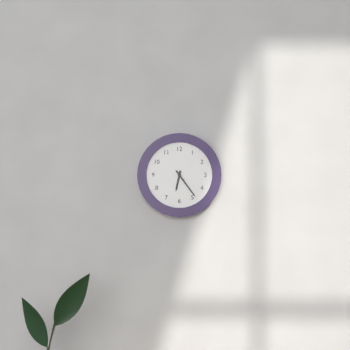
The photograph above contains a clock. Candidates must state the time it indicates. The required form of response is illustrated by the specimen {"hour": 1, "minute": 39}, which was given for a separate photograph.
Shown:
{"hour": 6, "minute": 24}
